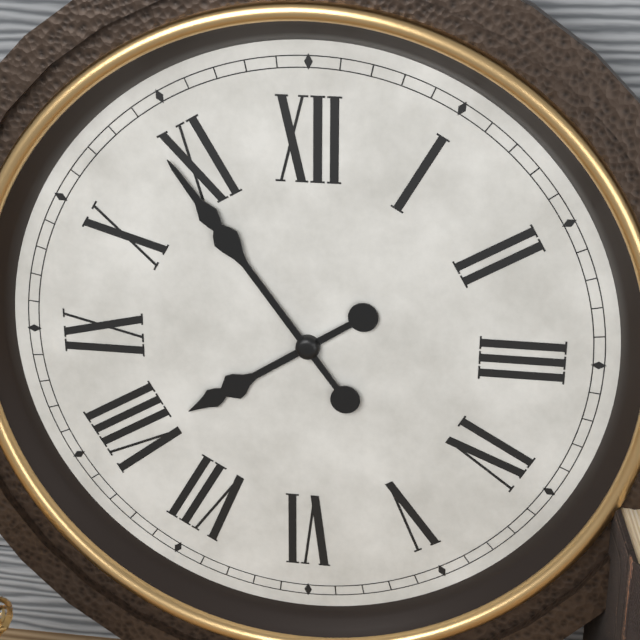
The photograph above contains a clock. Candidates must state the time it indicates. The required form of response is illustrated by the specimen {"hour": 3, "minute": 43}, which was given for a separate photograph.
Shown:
{"hour": 7, "minute": 54}
